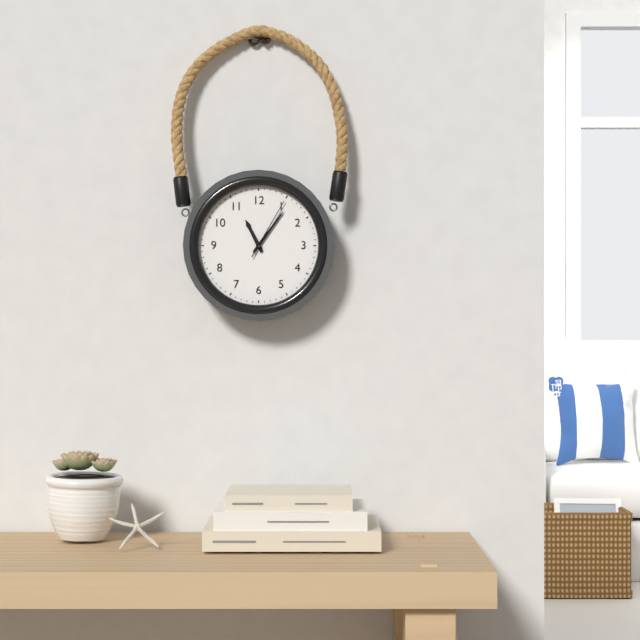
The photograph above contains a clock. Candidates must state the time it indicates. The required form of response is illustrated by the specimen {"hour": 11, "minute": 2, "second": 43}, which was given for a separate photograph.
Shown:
{"hour": 11, "minute": 6, "second": 5}
